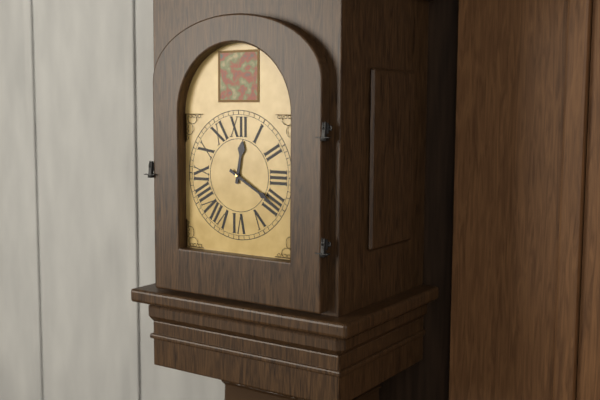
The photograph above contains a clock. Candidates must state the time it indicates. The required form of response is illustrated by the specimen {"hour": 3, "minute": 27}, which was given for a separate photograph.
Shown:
{"hour": 12, "minute": 20}
